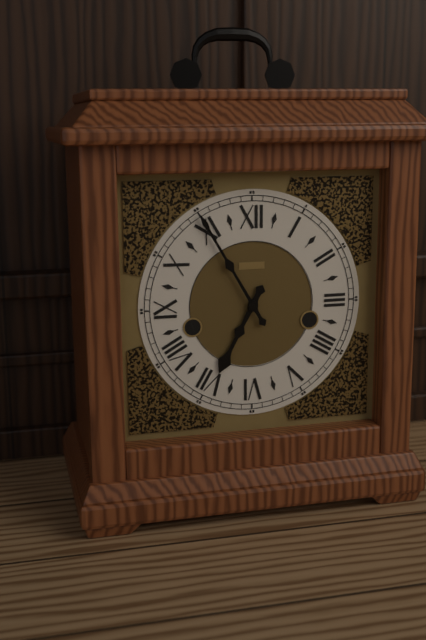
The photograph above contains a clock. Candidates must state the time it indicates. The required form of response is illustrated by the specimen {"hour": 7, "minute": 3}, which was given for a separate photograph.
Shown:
{"hour": 6, "minute": 55}
